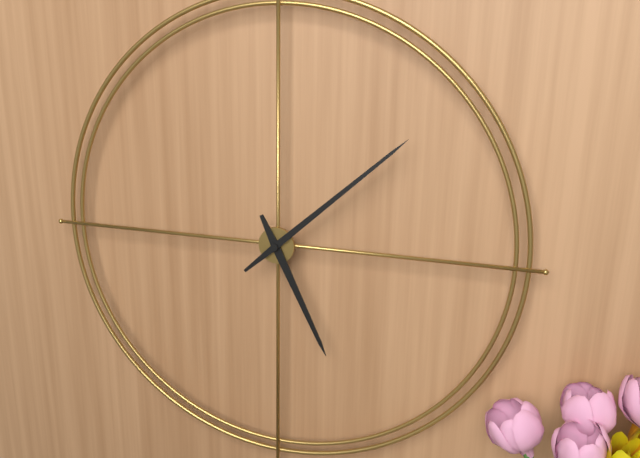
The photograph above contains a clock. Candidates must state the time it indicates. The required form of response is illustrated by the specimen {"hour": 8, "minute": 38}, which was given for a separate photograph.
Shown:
{"hour": 5, "minute": 8}
